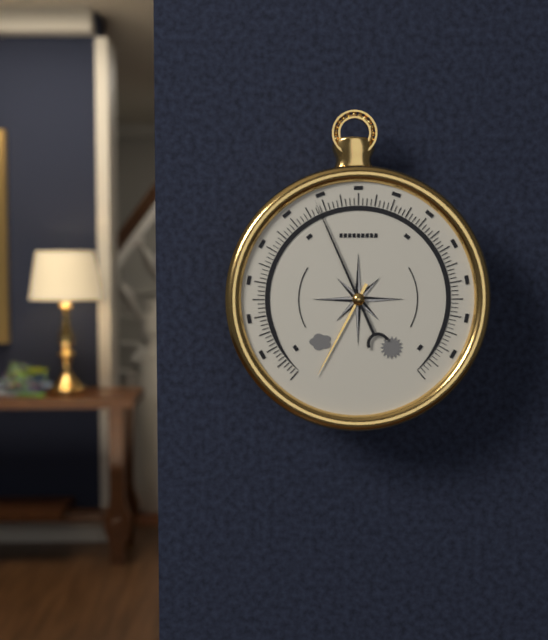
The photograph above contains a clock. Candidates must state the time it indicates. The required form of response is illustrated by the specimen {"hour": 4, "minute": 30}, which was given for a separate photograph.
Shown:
{"hour": 6, "minute": 56}
